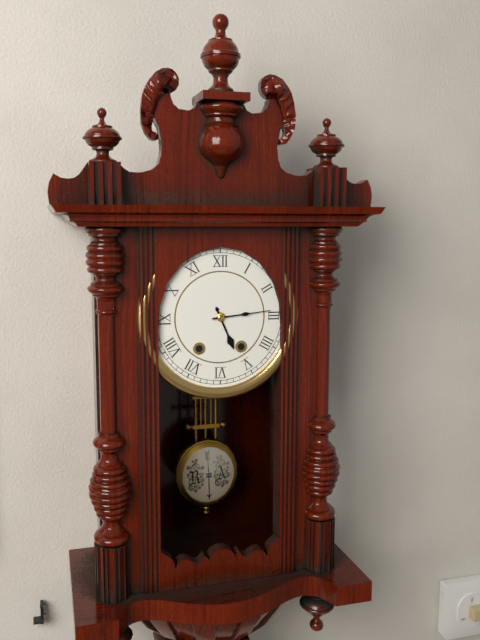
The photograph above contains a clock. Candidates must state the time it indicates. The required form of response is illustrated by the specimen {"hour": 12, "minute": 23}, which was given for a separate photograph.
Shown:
{"hour": 5, "minute": 14}
